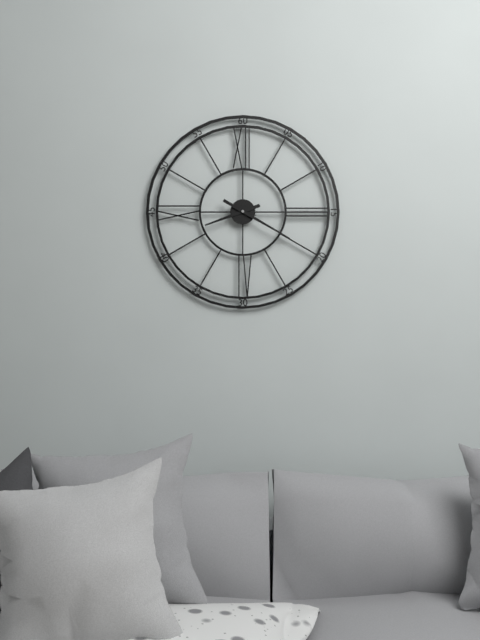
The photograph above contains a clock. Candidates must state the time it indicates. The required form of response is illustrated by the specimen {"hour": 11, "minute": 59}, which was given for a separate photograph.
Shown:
{"hour": 8, "minute": 20}
